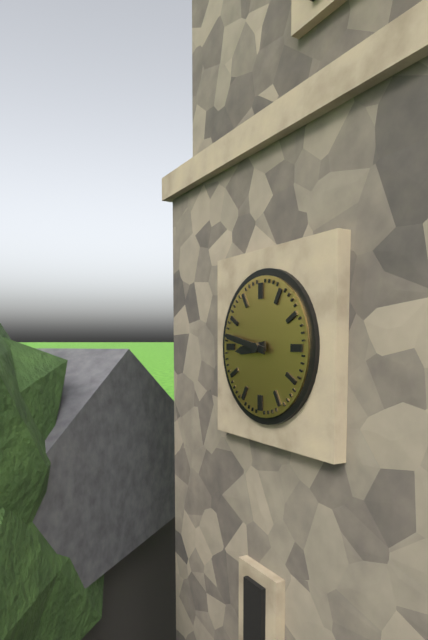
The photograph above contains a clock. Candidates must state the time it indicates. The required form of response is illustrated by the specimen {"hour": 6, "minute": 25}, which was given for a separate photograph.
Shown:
{"hour": 8, "minute": 47}
